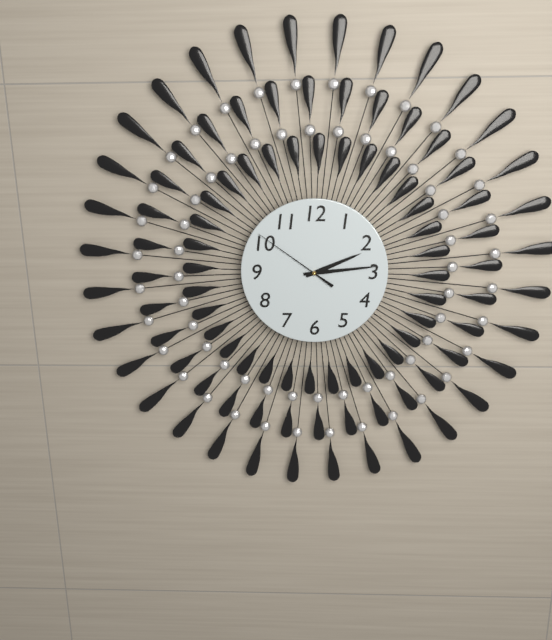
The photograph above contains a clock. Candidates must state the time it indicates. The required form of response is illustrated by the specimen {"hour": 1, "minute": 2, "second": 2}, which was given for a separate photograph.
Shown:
{"hour": 2, "minute": 14, "second": 51}
